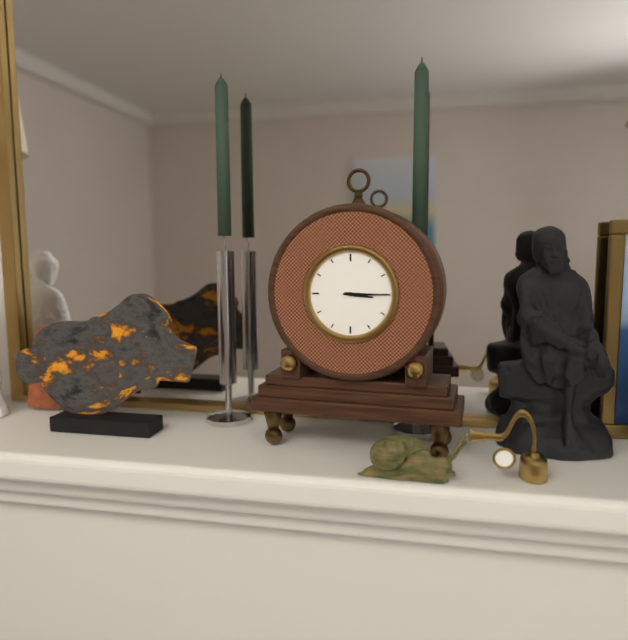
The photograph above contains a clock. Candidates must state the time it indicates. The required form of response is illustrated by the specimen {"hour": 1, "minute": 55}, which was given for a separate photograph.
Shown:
{"hour": 3, "minute": 15}
